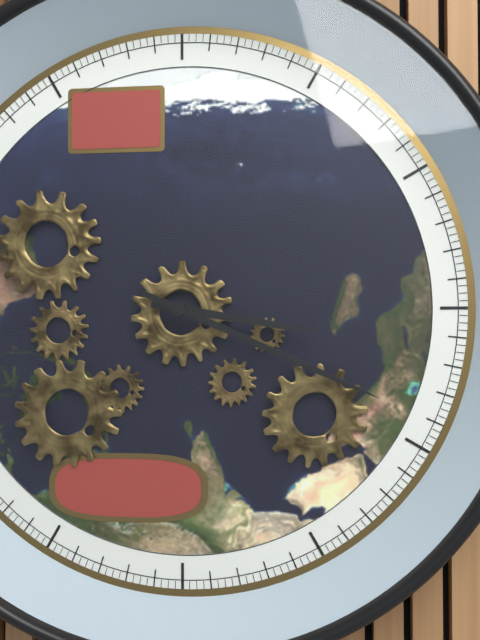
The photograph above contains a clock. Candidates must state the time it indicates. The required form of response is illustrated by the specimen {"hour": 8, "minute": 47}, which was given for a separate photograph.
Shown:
{"hour": 3, "minute": 19}
